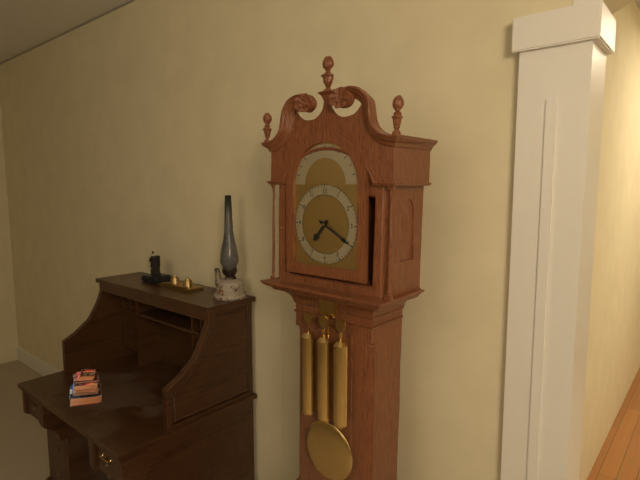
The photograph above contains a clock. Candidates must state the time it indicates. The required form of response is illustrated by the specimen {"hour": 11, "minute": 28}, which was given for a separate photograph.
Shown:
{"hour": 7, "minute": 20}
